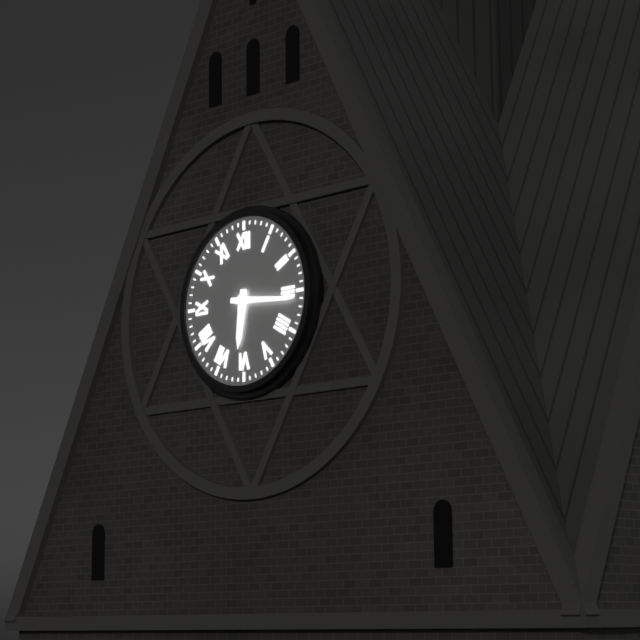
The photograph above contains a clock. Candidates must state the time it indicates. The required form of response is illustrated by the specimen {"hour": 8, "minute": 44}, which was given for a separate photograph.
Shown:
{"hour": 6, "minute": 16}
